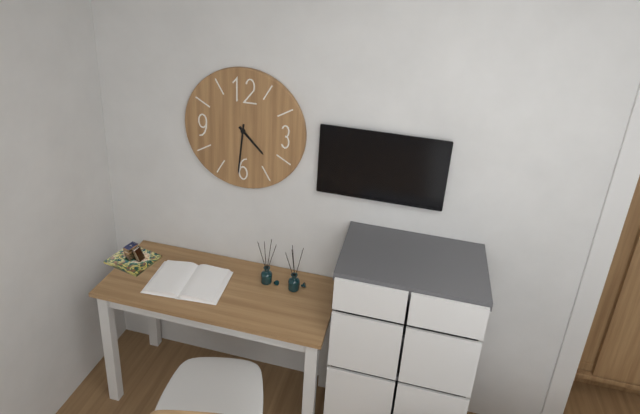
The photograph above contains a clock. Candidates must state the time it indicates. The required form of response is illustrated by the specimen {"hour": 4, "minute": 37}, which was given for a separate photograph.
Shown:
{"hour": 4, "minute": 31}
